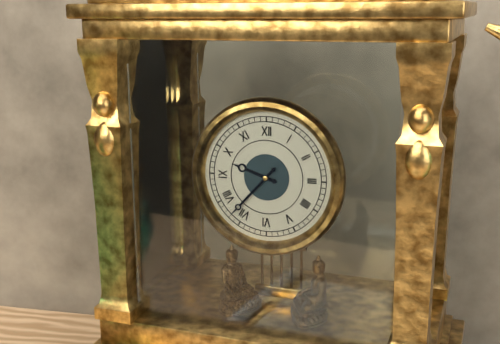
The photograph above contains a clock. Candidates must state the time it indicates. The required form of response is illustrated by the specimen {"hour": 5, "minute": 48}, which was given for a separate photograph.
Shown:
{"hour": 9, "minute": 37}
